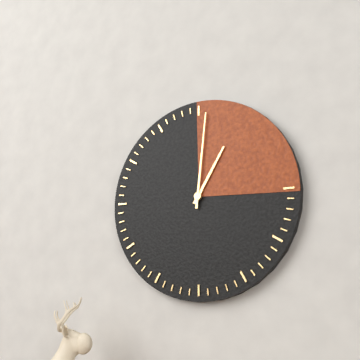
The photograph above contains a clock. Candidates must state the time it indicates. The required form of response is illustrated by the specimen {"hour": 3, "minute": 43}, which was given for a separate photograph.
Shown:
{"hour": 1, "minute": 1}
